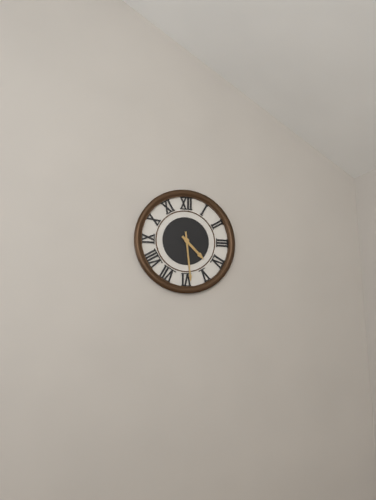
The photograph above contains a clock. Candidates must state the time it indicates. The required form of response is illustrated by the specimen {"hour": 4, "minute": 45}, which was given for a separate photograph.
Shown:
{"hour": 4, "minute": 29}
